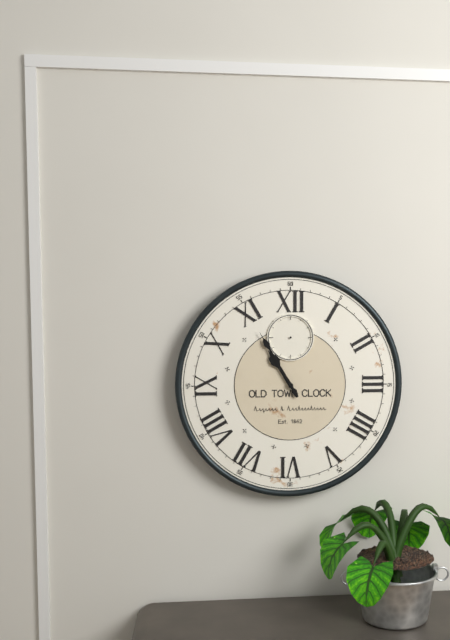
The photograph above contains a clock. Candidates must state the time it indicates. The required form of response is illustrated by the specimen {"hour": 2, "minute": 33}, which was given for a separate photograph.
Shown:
{"hour": 10, "minute": 55}
